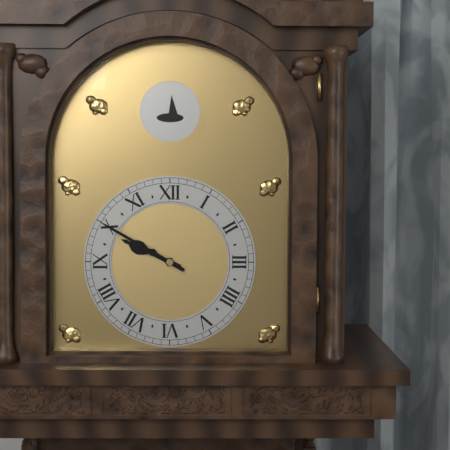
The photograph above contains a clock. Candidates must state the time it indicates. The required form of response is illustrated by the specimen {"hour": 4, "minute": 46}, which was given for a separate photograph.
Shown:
{"hour": 9, "minute": 50}
